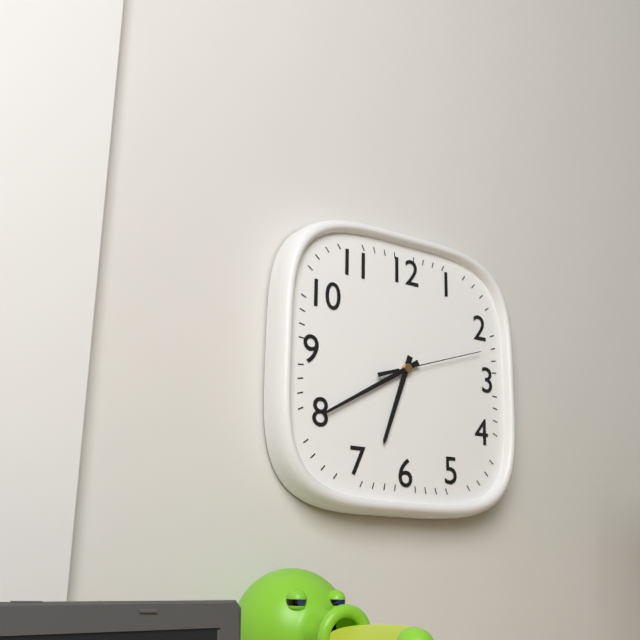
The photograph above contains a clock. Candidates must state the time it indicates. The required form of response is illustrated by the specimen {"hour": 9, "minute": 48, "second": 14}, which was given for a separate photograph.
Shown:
{"hour": 6, "minute": 40, "second": 12}
